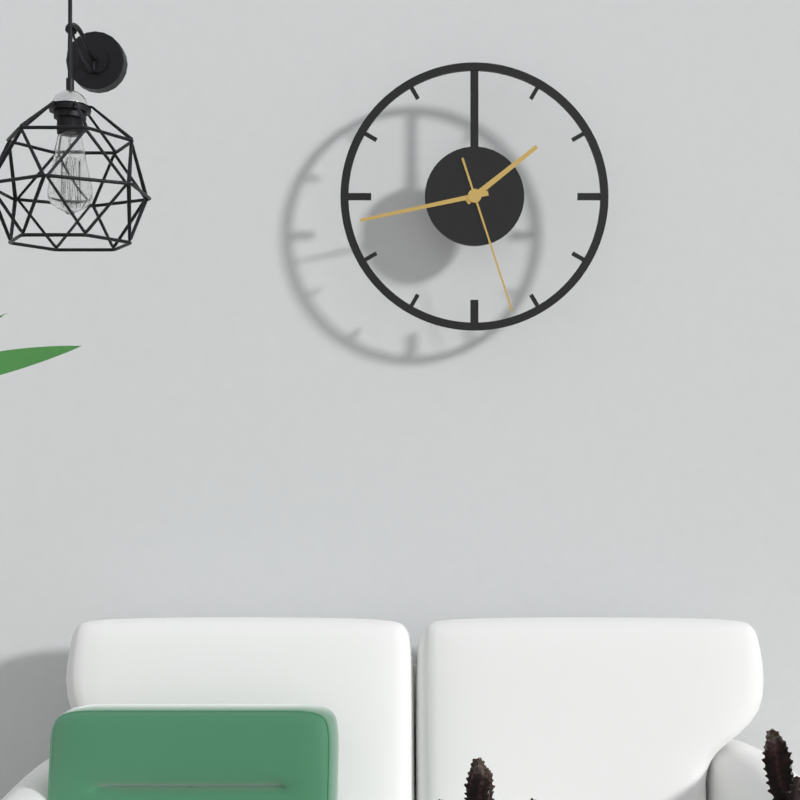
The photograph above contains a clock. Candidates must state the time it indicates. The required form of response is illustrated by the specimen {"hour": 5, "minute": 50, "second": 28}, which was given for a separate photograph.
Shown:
{"hour": 1, "minute": 43, "second": 27}
